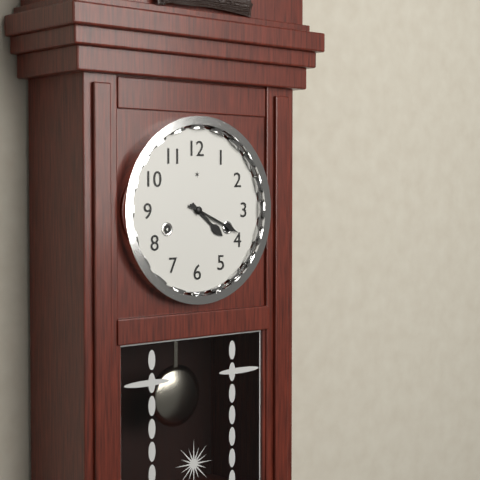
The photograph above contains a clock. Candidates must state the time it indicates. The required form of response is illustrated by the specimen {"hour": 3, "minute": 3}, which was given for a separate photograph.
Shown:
{"hour": 4, "minute": 19}
